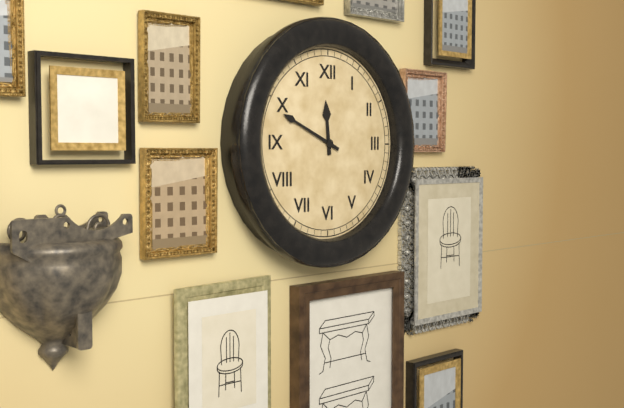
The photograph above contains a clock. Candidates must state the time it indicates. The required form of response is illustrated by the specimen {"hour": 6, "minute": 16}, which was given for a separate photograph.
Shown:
{"hour": 11, "minute": 49}
